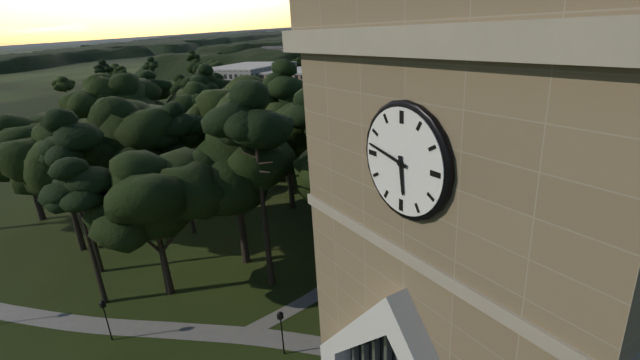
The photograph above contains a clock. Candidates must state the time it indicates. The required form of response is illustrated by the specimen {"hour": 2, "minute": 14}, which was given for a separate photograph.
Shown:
{"hour": 5, "minute": 47}
